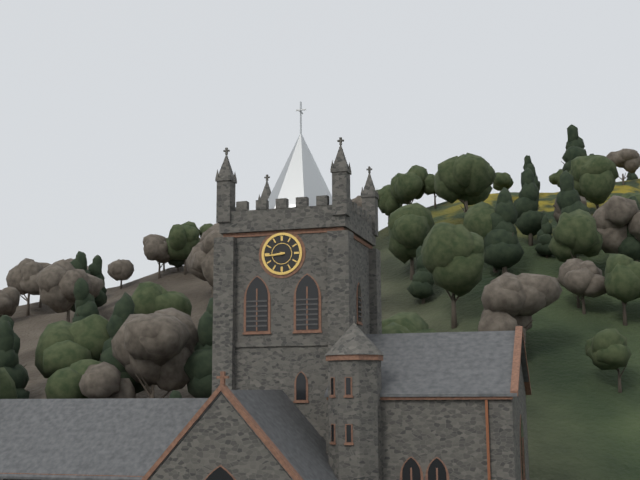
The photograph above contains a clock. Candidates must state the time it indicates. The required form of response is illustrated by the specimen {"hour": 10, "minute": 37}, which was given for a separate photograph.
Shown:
{"hour": 8, "minute": 44}
